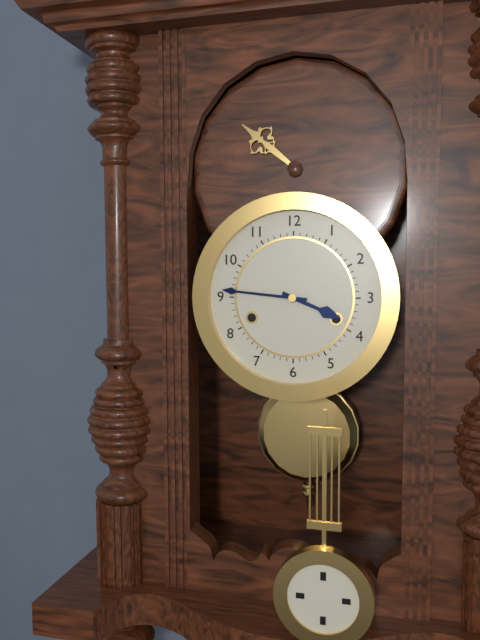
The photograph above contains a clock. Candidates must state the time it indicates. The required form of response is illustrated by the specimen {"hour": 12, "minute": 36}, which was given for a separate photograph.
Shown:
{"hour": 3, "minute": 46}
